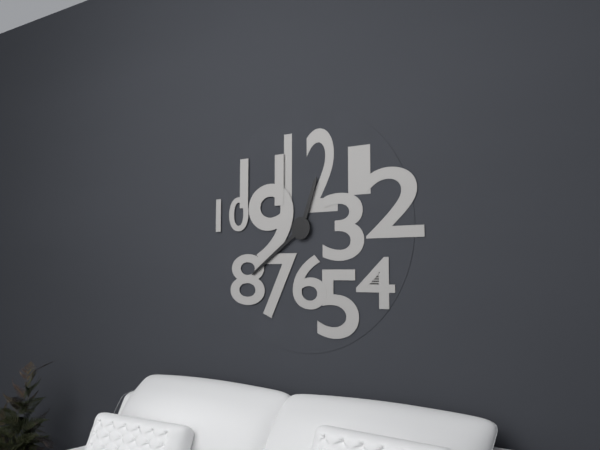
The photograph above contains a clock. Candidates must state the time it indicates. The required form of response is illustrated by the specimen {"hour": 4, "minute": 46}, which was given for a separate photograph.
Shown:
{"hour": 12, "minute": 39}
